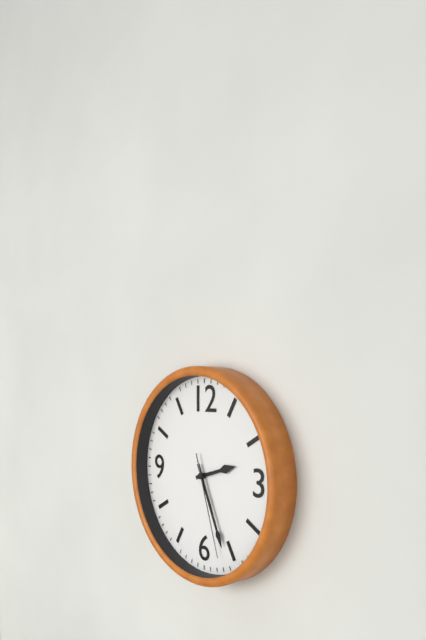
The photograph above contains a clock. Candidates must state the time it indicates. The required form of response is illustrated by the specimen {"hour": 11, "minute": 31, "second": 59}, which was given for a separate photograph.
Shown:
{"hour": 2, "minute": 26, "second": 27}
